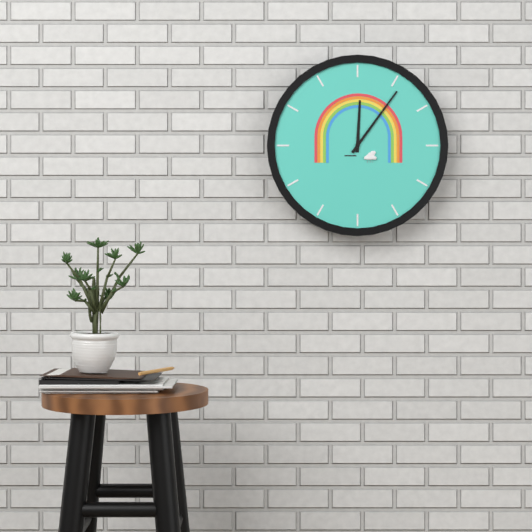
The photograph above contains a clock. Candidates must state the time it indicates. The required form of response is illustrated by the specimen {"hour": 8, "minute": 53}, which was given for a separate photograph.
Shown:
{"hour": 12, "minute": 6}
